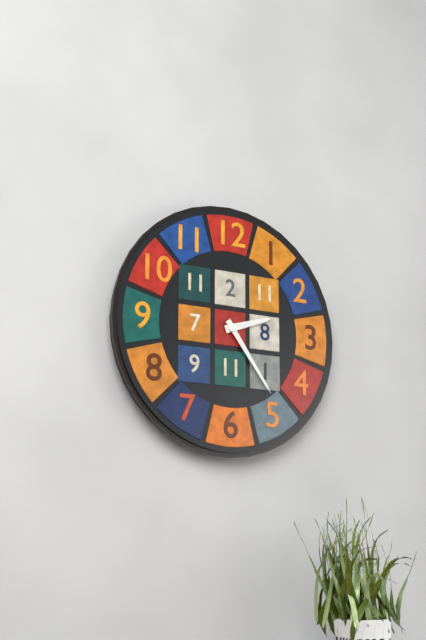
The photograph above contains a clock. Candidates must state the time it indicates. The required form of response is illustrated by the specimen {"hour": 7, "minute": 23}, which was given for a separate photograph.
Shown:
{"hour": 2, "minute": 24}
